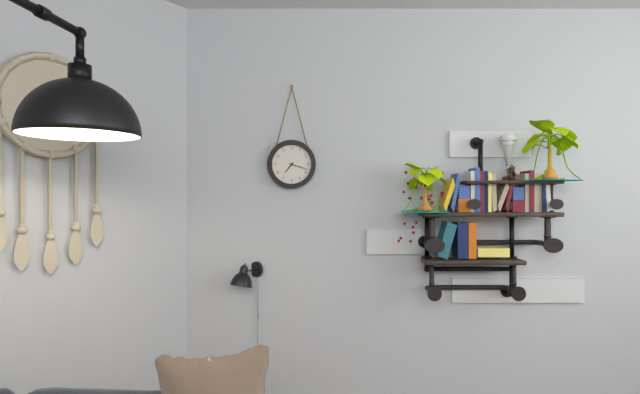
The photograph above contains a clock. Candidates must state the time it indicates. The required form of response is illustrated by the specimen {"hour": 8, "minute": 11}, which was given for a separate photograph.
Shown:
{"hour": 7, "minute": 18}
